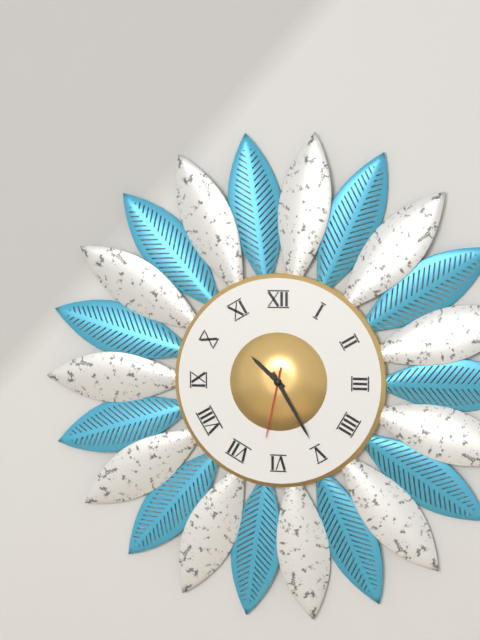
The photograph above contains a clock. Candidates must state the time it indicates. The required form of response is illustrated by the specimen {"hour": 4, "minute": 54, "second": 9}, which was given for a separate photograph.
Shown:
{"hour": 10, "minute": 25, "second": 32}
